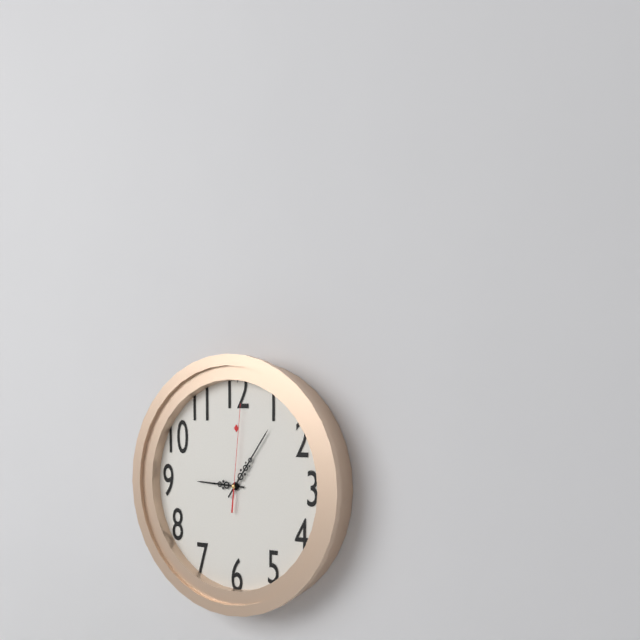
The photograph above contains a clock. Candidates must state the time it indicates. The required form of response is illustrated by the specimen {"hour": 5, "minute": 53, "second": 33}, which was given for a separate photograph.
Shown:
{"hour": 9, "minute": 6, "second": 1}
